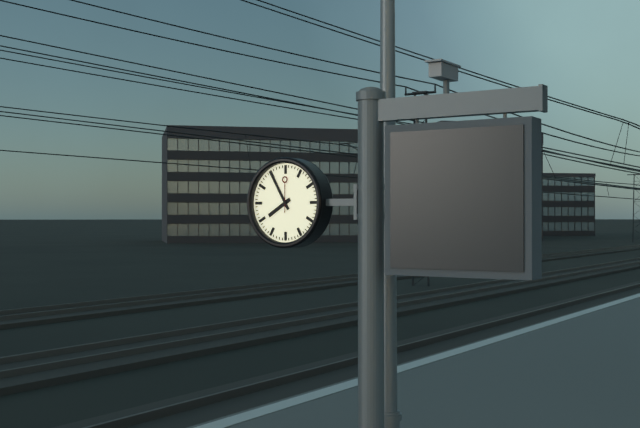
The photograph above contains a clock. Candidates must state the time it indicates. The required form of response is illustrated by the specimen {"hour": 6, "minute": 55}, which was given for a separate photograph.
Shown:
{"hour": 7, "minute": 55}
